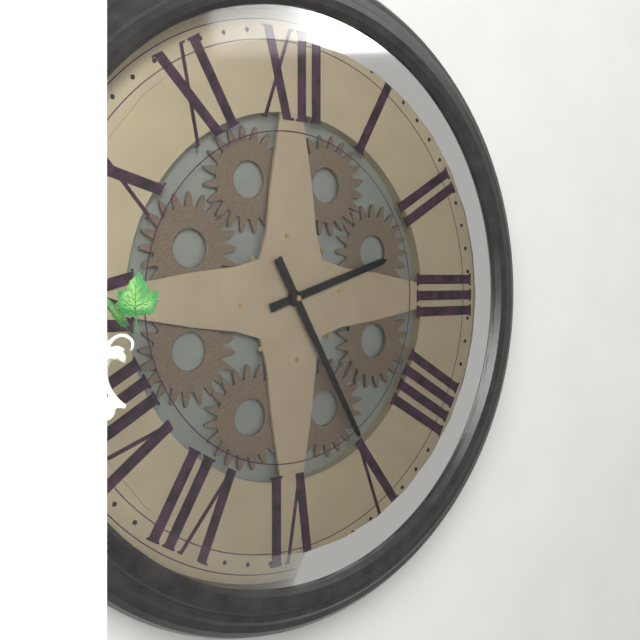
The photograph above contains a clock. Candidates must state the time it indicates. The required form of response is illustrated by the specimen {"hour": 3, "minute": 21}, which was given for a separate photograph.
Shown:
{"hour": 2, "minute": 25}
